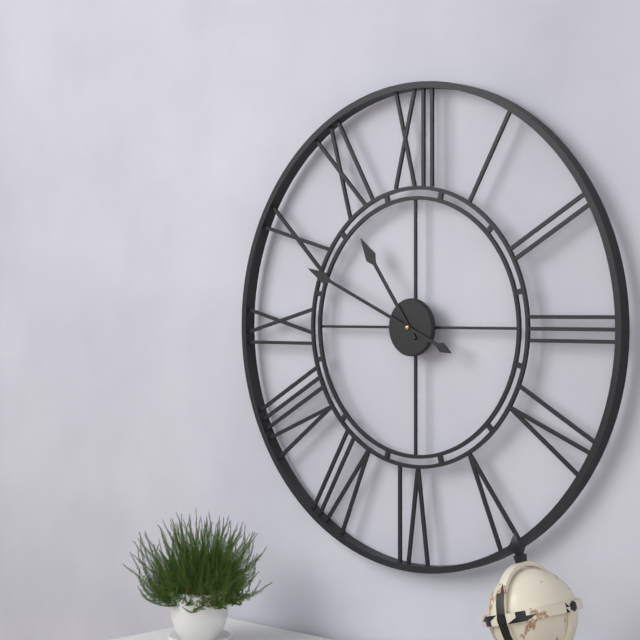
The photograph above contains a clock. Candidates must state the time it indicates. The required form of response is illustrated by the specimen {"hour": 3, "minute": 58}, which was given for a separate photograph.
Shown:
{"hour": 10, "minute": 49}
